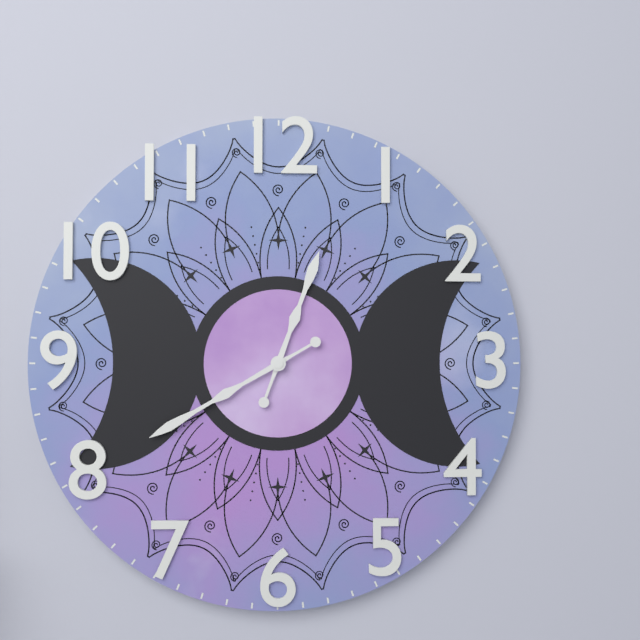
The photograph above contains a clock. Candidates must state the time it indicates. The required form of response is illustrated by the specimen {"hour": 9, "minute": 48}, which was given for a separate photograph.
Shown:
{"hour": 12, "minute": 40}
